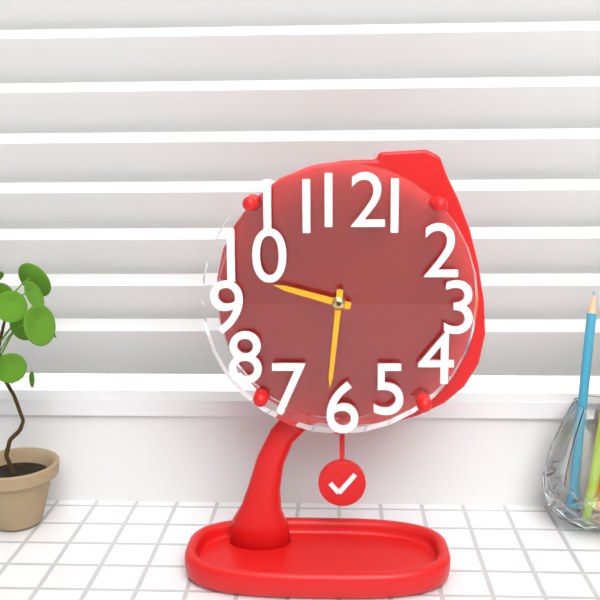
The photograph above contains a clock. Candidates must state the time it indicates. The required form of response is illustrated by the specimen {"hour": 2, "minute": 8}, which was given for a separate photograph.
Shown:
{"hour": 9, "minute": 31}
